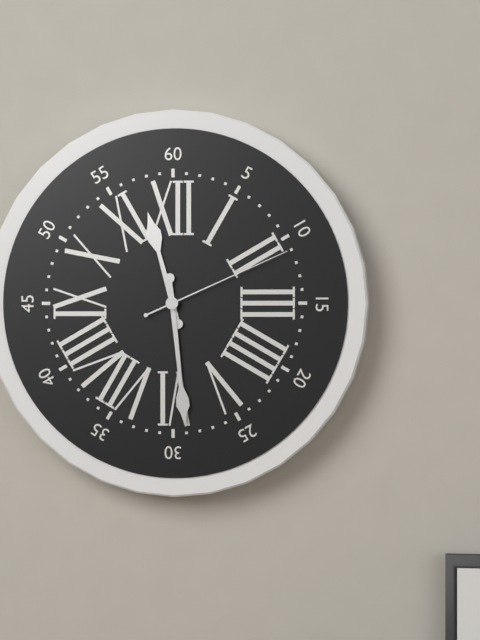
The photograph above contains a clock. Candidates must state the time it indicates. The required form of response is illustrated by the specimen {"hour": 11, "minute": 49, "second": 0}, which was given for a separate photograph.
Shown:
{"hour": 11, "minute": 29, "second": 11}
